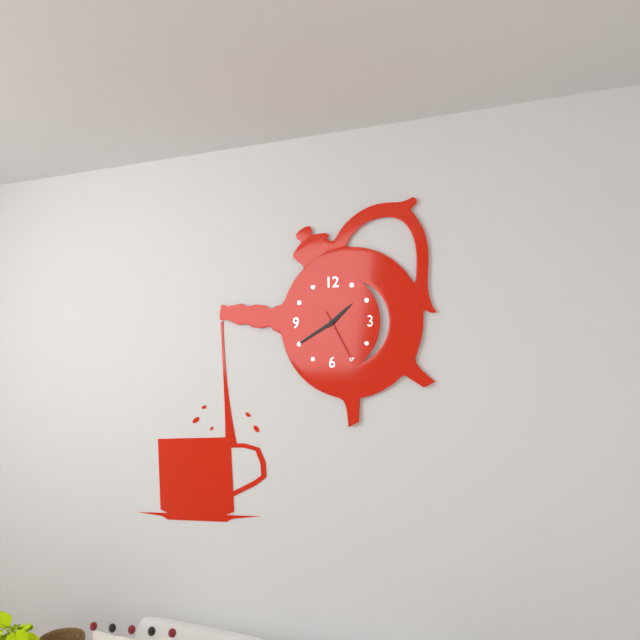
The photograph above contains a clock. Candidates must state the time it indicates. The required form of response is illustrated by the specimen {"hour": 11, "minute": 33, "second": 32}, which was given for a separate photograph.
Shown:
{"hour": 1, "minute": 40, "second": 25}
